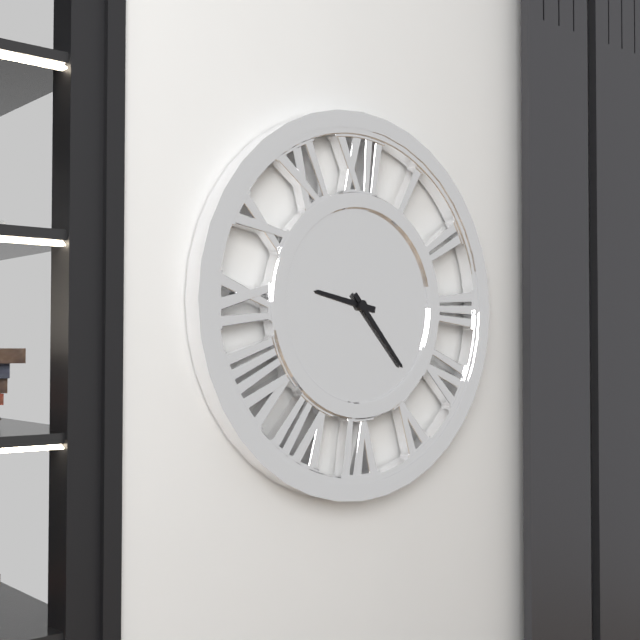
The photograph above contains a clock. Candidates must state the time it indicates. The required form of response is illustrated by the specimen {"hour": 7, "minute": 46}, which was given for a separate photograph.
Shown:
{"hour": 9, "minute": 23}
